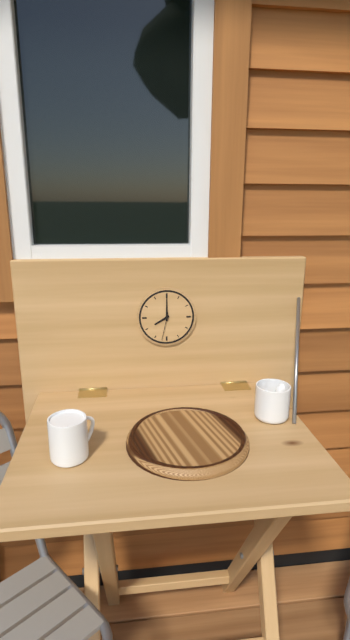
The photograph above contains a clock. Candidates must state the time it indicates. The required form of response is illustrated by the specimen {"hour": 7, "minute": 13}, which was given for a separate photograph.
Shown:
{"hour": 8, "minute": 0}
